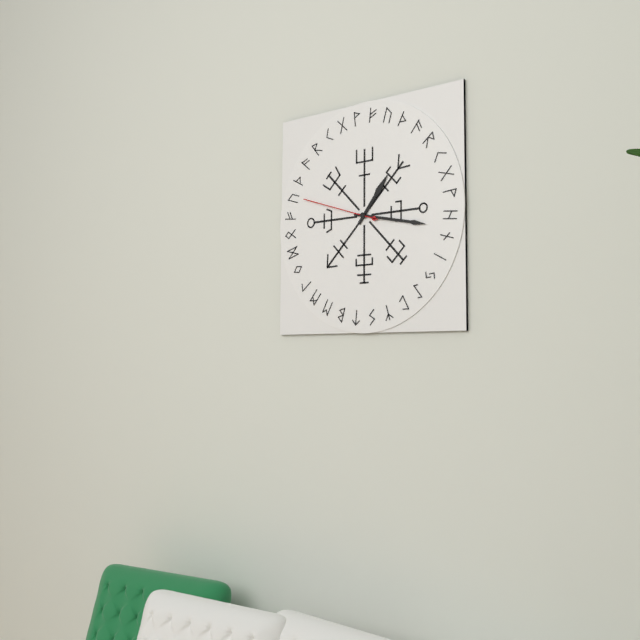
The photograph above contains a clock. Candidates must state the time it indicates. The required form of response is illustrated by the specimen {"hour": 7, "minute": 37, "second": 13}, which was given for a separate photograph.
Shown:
{"hour": 1, "minute": 17, "second": 48}
